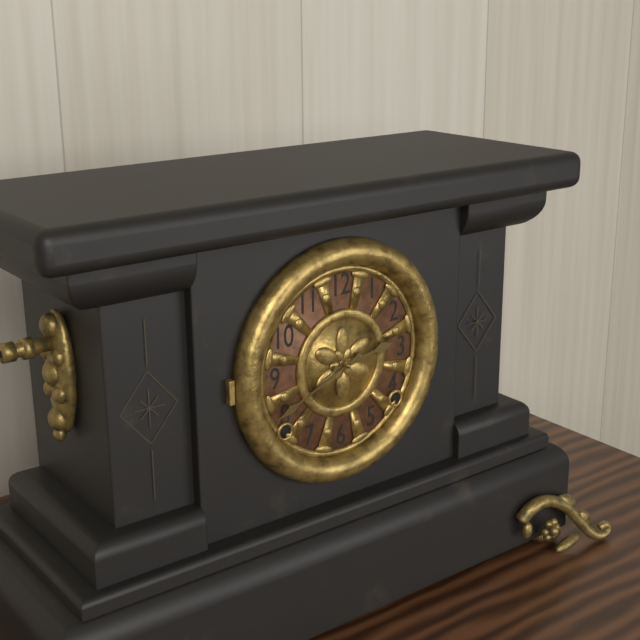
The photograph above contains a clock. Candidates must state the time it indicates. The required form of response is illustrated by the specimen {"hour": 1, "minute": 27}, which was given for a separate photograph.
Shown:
{"hour": 2, "minute": 41}
